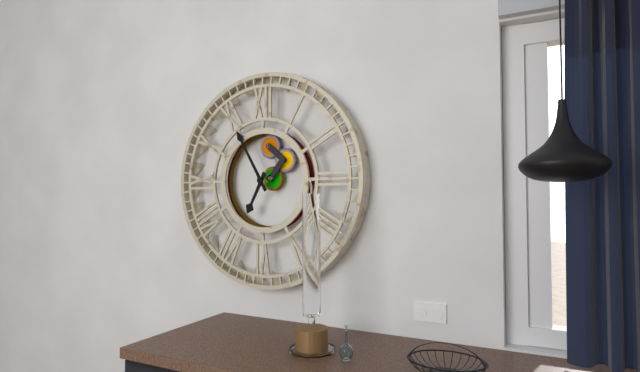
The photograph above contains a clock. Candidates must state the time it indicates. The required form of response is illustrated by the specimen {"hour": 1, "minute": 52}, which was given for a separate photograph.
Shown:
{"hour": 6, "minute": 55}
